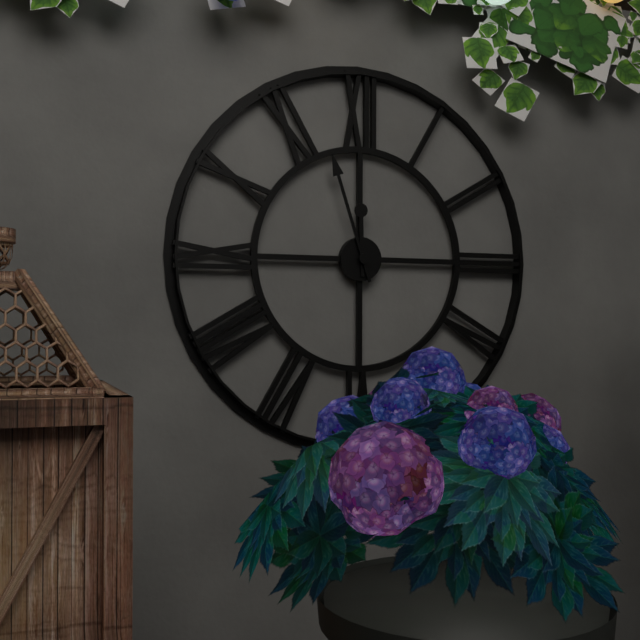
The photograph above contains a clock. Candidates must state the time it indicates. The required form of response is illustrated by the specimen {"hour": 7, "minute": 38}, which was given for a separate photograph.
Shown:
{"hour": 11, "minute": 57}
